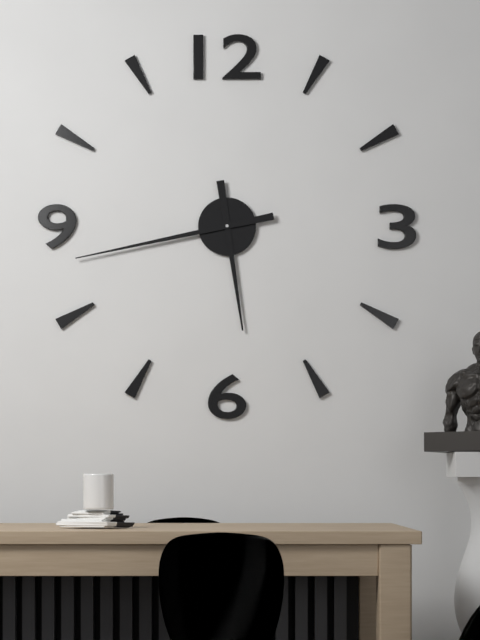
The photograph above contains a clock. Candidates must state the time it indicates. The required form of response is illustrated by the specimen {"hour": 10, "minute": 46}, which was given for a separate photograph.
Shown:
{"hour": 5, "minute": 43}
